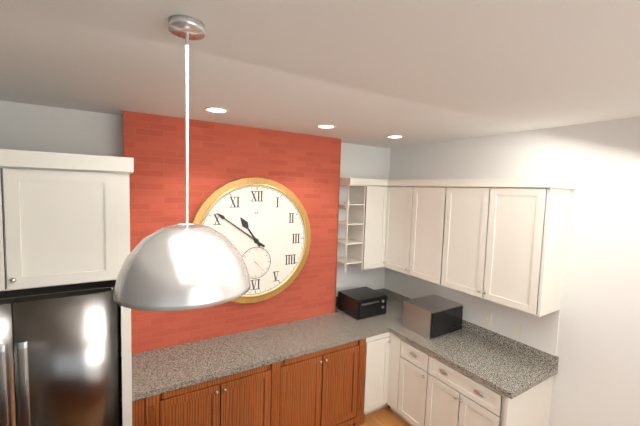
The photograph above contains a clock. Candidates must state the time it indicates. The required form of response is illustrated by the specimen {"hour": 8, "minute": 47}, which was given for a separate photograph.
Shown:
{"hour": 10, "minute": 51}
